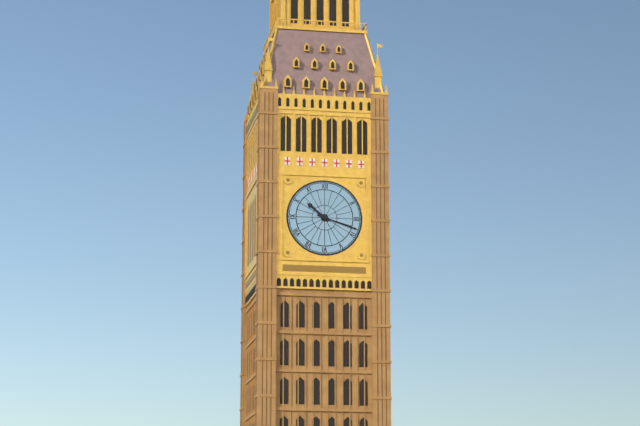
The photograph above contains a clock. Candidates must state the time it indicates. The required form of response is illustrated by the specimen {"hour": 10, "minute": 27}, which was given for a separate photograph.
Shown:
{"hour": 10, "minute": 18}
